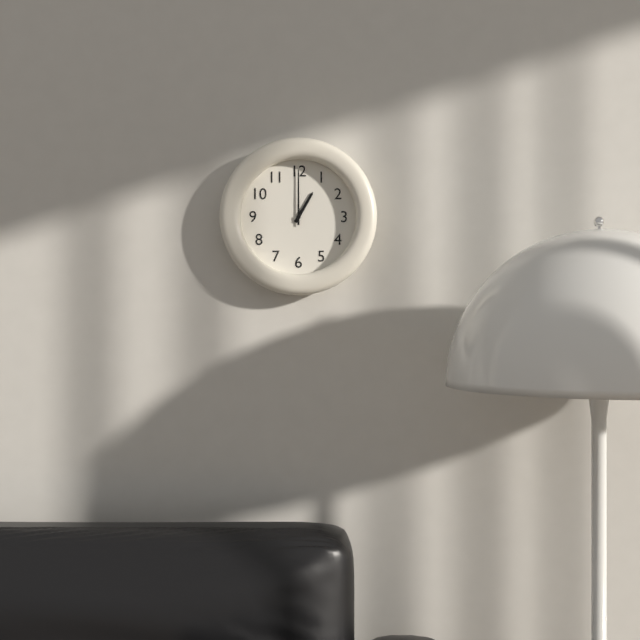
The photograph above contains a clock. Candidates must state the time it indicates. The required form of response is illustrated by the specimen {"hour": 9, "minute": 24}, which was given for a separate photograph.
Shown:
{"hour": 1, "minute": 0}
